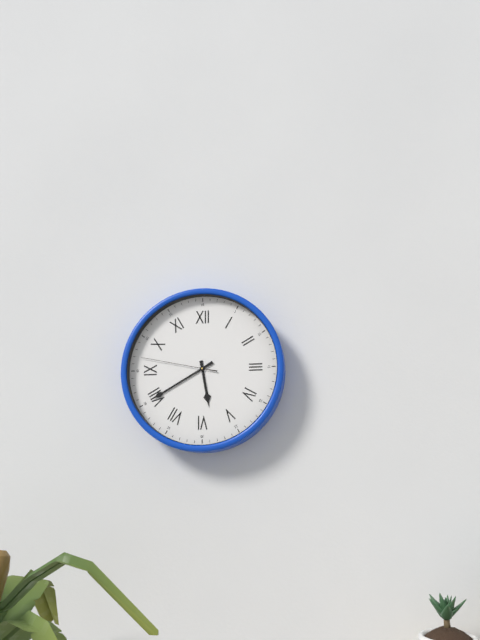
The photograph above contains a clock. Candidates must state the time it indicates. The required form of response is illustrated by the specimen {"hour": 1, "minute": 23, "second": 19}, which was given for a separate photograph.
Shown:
{"hour": 5, "minute": 40, "second": 47}
